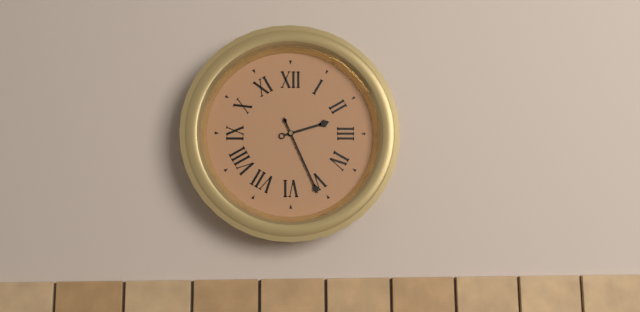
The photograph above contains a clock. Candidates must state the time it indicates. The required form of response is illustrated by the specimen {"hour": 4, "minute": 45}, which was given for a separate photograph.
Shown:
{"hour": 2, "minute": 26}
